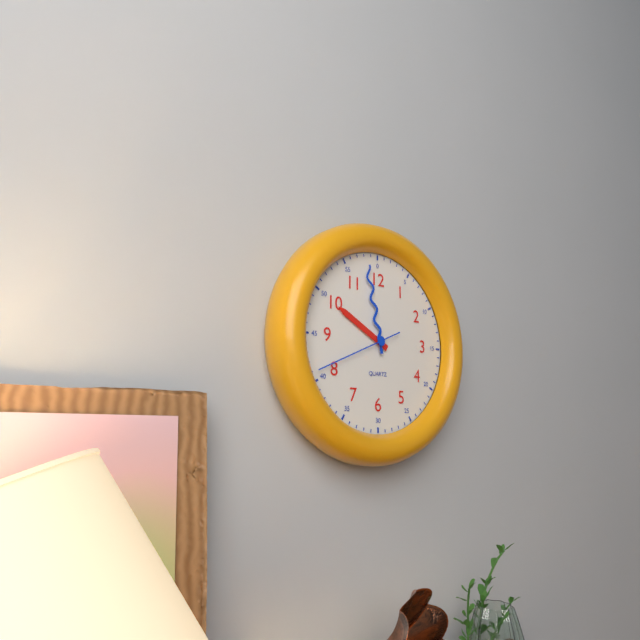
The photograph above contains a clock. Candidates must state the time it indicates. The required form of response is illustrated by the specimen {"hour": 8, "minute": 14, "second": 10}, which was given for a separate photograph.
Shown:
{"hour": 9, "minute": 58, "second": 41}
